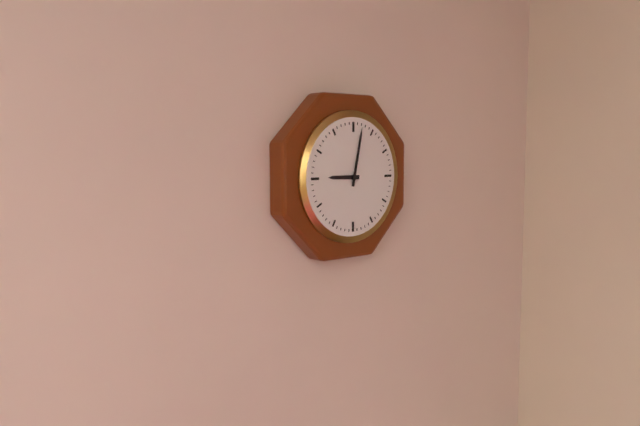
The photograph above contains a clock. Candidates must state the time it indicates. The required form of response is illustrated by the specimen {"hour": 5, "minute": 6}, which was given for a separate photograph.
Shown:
{"hour": 9, "minute": 2}
